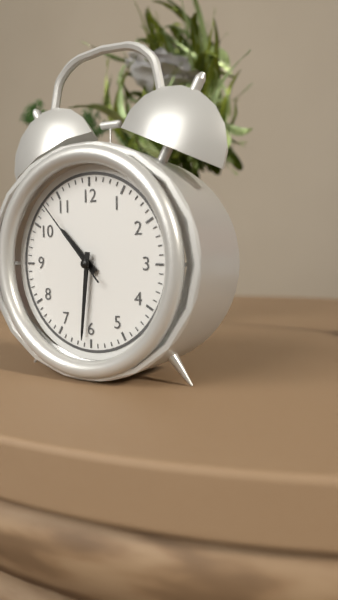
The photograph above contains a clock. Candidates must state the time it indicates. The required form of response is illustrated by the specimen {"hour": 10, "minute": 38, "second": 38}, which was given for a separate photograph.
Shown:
{"hour": 10, "minute": 31, "second": 53}
